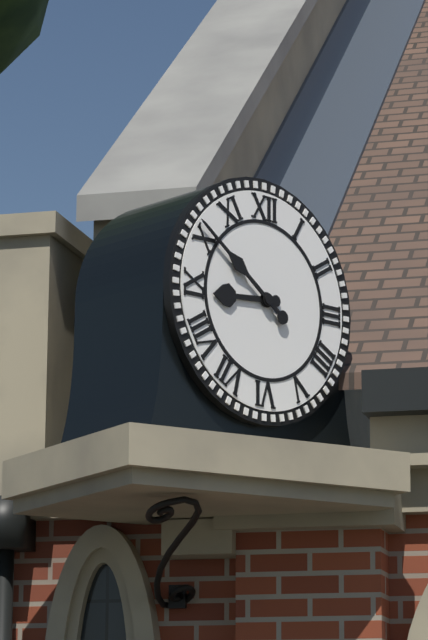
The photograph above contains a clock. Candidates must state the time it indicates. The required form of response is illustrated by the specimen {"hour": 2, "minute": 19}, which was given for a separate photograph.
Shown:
{"hour": 8, "minute": 51}
